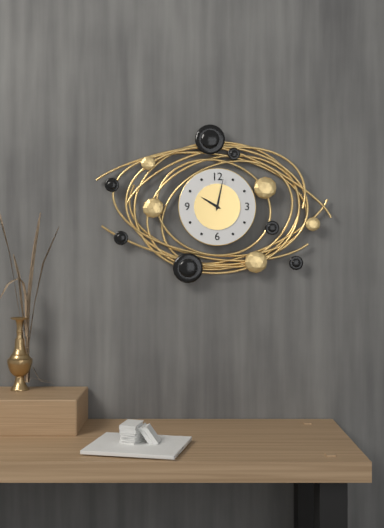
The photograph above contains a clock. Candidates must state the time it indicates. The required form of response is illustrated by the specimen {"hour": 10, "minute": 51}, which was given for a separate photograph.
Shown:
{"hour": 10, "minute": 2}
